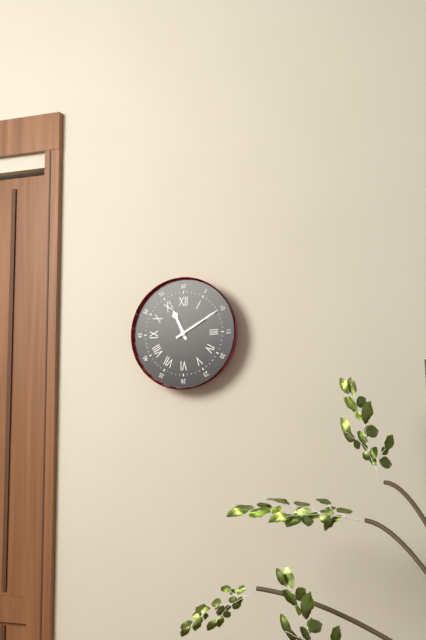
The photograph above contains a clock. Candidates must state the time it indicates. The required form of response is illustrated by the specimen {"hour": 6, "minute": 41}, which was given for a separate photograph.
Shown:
{"hour": 11, "minute": 10}
